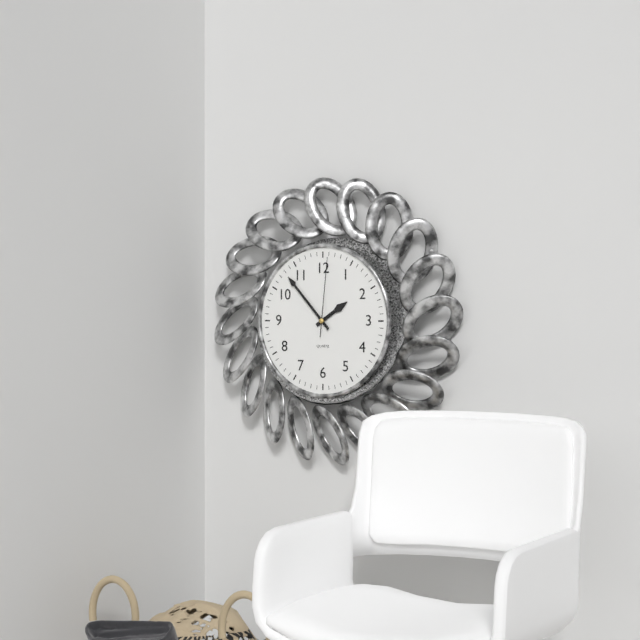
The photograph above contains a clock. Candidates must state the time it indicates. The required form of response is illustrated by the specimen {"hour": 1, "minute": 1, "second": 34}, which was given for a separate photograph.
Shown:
{"hour": 1, "minute": 53, "second": 1}
